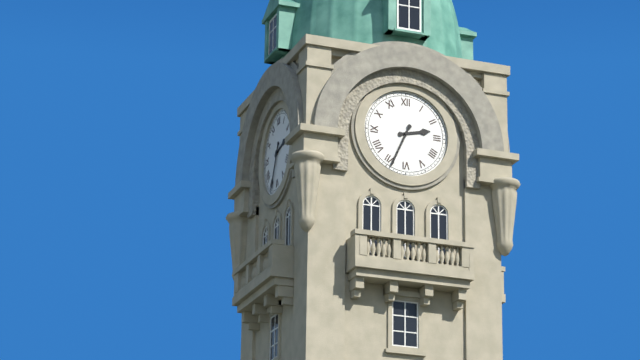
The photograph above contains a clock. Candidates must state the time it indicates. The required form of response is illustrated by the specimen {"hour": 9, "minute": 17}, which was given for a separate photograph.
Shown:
{"hour": 2, "minute": 34}
